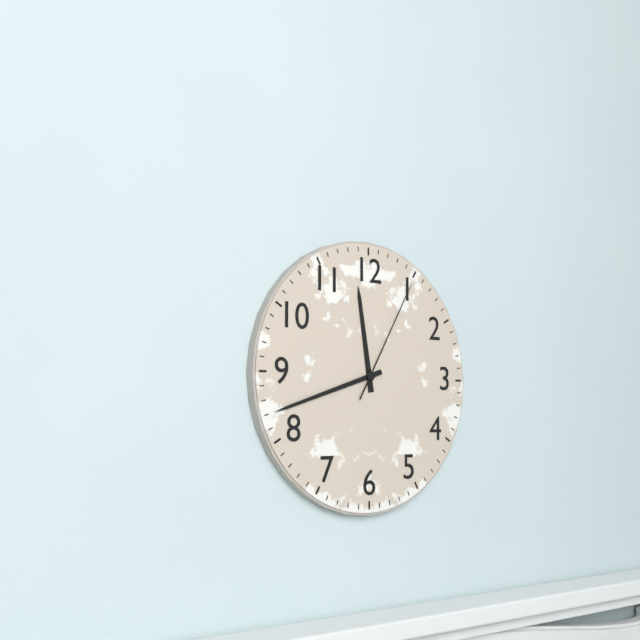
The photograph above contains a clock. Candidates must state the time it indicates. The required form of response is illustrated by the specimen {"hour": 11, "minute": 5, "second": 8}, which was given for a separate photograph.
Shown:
{"hour": 11, "minute": 42, "second": 5}
